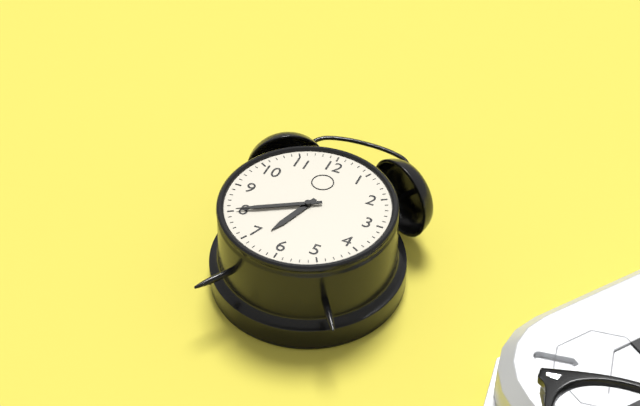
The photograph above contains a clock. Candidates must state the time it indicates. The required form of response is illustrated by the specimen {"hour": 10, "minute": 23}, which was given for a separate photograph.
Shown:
{"hour": 6, "minute": 40}
